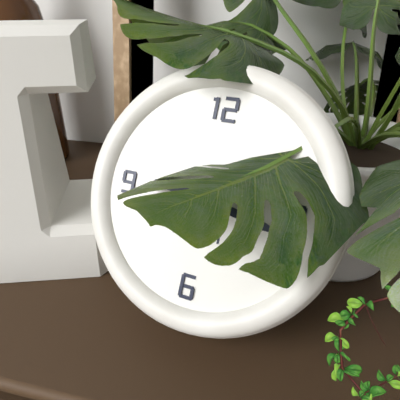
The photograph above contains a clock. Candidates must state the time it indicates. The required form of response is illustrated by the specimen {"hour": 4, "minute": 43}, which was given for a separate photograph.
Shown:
{"hour": 9, "minute": 17}
